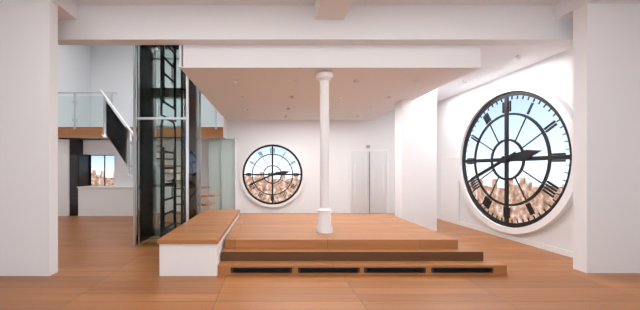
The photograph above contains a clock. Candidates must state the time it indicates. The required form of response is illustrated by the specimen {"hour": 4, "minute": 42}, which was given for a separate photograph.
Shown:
{"hour": 2, "minute": 41}
